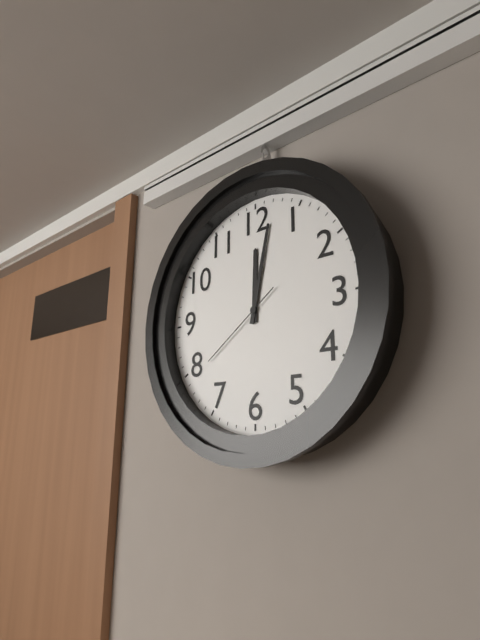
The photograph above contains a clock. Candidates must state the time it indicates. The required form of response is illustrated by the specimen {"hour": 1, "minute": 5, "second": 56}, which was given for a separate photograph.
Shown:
{"hour": 12, "minute": 2, "second": 39}
